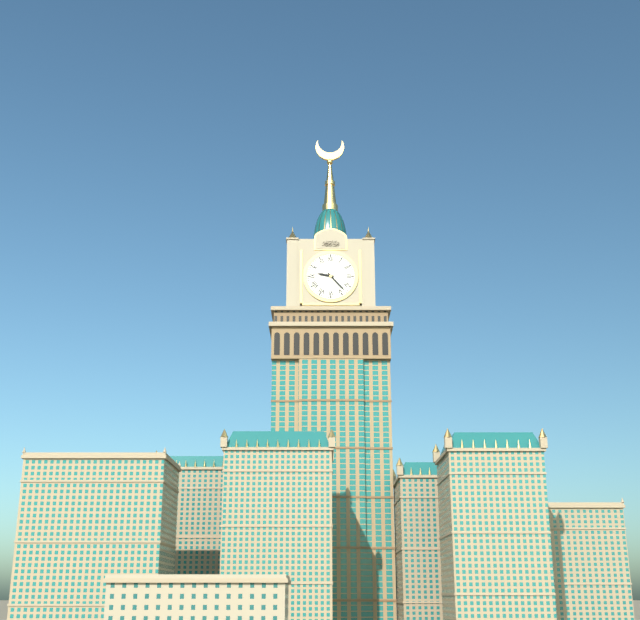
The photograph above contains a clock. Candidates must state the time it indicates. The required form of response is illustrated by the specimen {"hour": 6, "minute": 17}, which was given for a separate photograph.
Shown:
{"hour": 9, "minute": 23}
